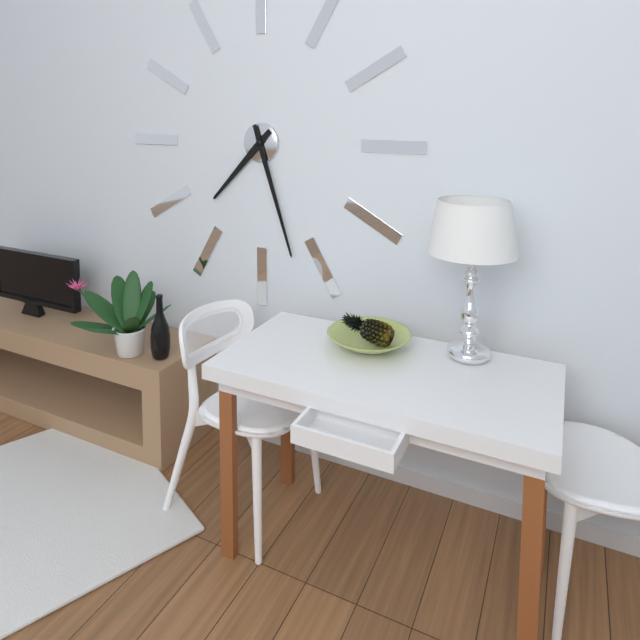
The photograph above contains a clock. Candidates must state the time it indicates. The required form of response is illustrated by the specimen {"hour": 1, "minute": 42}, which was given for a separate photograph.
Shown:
{"hour": 7, "minute": 27}
